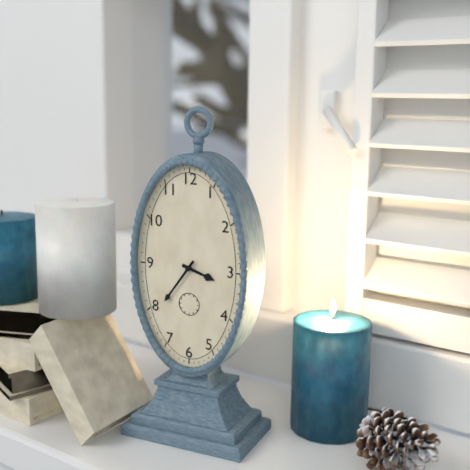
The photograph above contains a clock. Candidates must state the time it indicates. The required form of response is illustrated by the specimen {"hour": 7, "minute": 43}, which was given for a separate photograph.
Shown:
{"hour": 3, "minute": 36}
